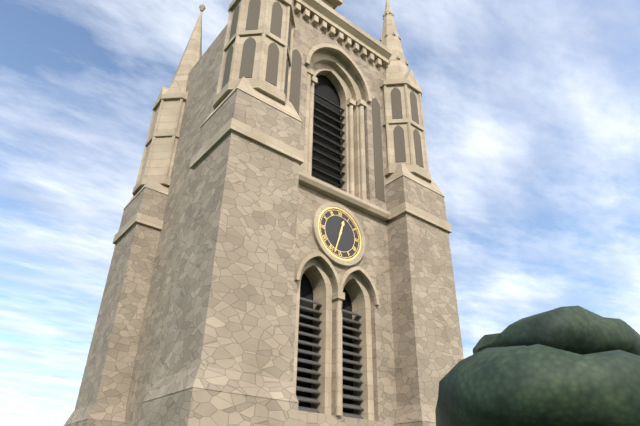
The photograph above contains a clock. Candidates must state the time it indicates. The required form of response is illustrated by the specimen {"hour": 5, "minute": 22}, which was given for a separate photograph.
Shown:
{"hour": 12, "minute": 33}
